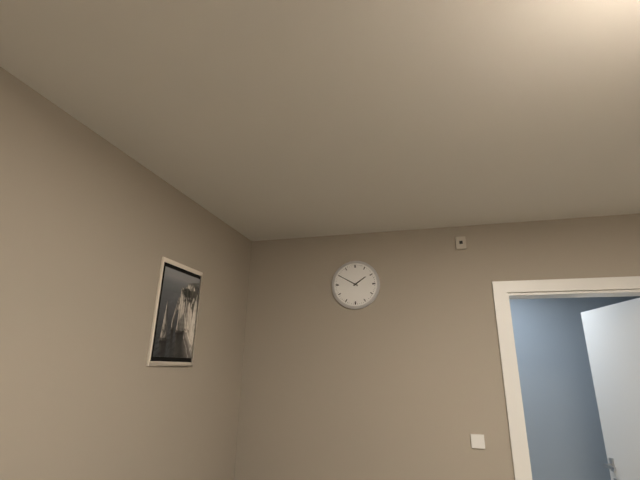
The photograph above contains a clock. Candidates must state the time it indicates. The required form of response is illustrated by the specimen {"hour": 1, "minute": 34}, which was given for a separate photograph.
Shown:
{"hour": 1, "minute": 50}
